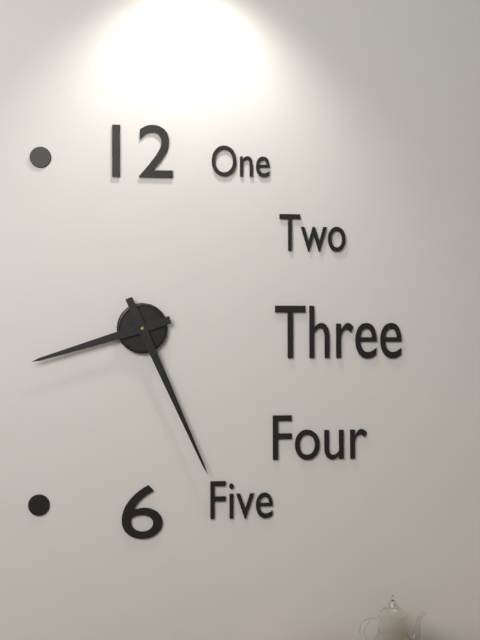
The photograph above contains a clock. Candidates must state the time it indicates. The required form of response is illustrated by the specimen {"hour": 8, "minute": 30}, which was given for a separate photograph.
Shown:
{"hour": 8, "minute": 26}
